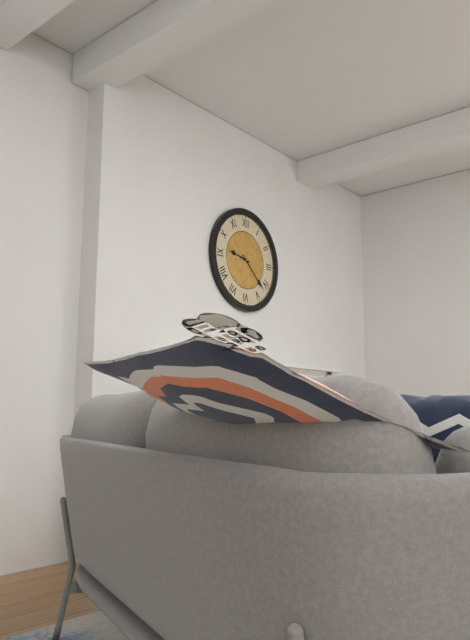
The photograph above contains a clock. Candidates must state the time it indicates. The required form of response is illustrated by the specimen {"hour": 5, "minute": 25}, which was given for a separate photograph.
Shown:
{"hour": 9, "minute": 22}
